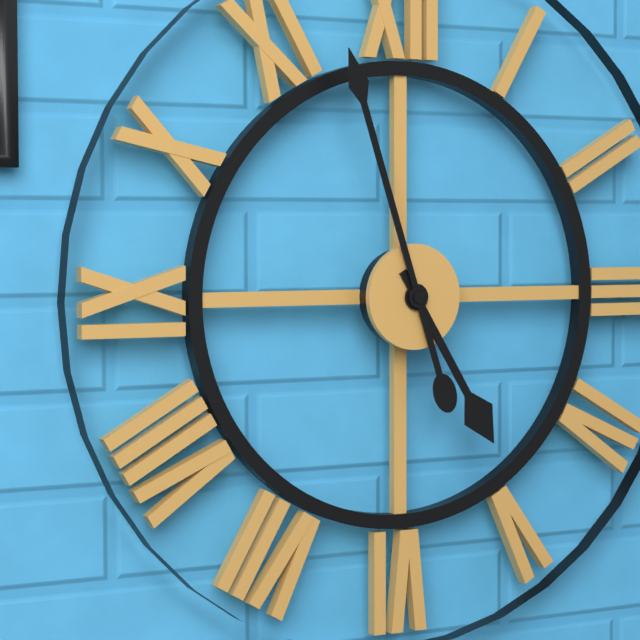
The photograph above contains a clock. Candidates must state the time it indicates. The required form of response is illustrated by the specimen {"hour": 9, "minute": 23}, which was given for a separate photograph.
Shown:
{"hour": 4, "minute": 57}
